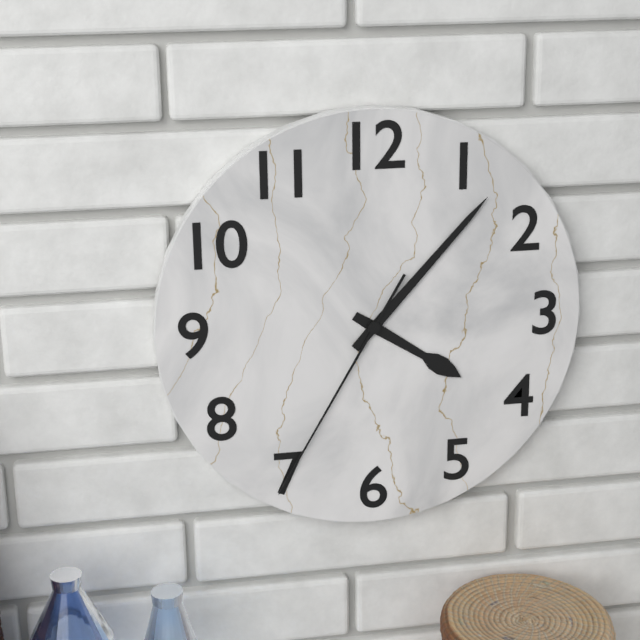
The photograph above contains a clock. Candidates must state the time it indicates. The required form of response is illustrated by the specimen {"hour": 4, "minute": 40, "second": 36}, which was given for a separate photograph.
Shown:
{"hour": 4, "minute": 7, "second": 35}
